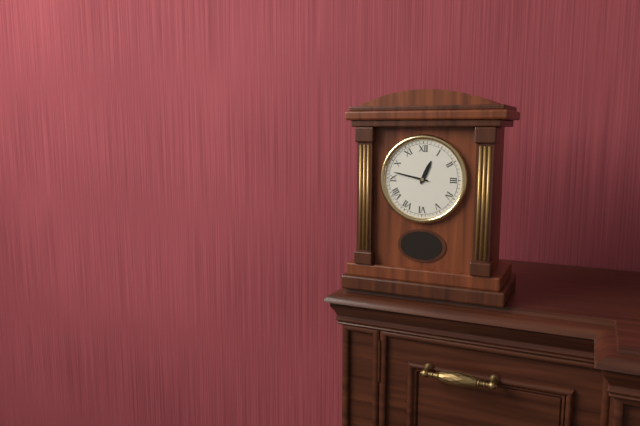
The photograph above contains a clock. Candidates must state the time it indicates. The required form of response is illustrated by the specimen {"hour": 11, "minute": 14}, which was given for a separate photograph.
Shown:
{"hour": 12, "minute": 47}
